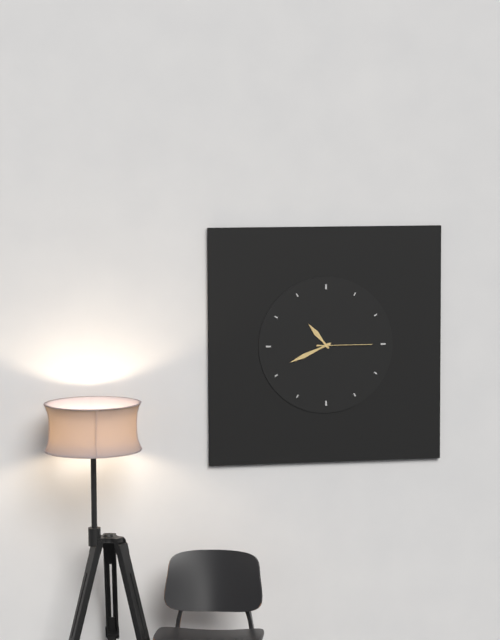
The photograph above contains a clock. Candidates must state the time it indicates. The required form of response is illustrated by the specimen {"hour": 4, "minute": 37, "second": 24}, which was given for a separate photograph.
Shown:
{"hour": 10, "minute": 41, "second": 15}
